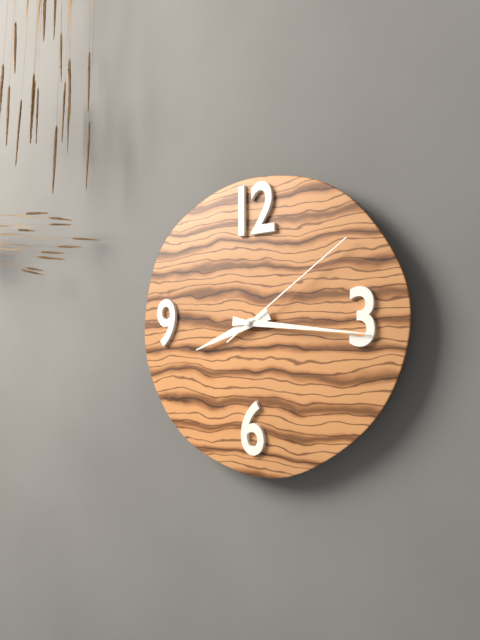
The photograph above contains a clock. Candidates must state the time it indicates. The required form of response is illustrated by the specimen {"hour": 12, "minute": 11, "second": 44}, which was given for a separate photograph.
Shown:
{"hour": 8, "minute": 16, "second": 9}
